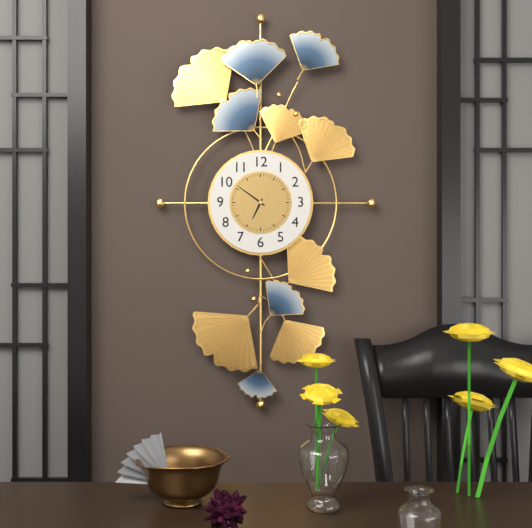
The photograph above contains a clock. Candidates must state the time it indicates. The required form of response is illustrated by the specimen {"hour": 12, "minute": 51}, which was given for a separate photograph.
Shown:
{"hour": 6, "minute": 51}
